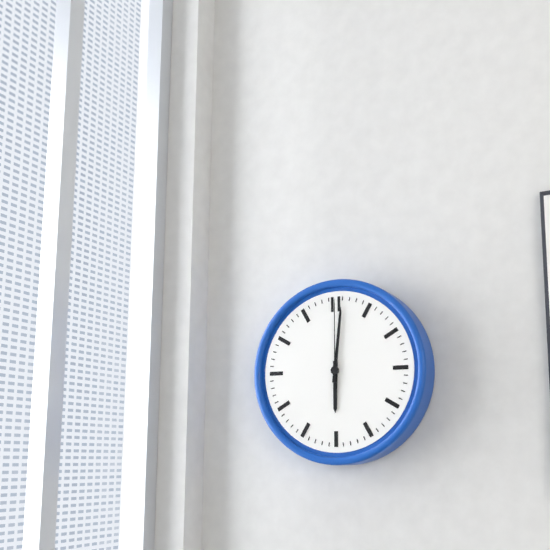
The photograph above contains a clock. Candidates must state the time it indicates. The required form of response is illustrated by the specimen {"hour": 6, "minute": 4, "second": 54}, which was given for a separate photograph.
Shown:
{"hour": 6, "minute": 1, "second": 0}
